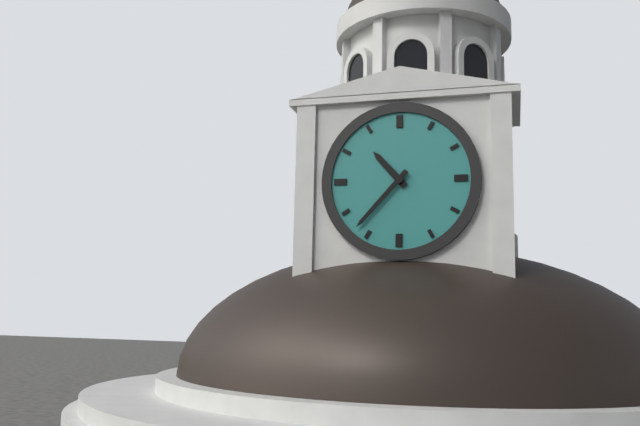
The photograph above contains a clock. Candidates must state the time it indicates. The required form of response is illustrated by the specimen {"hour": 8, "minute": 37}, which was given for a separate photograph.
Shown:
{"hour": 10, "minute": 37}
